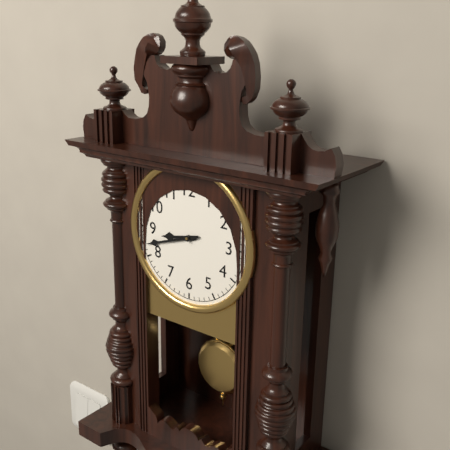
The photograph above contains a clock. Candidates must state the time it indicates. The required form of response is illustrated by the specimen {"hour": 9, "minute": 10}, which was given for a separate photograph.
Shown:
{"hour": 8, "minute": 42}
